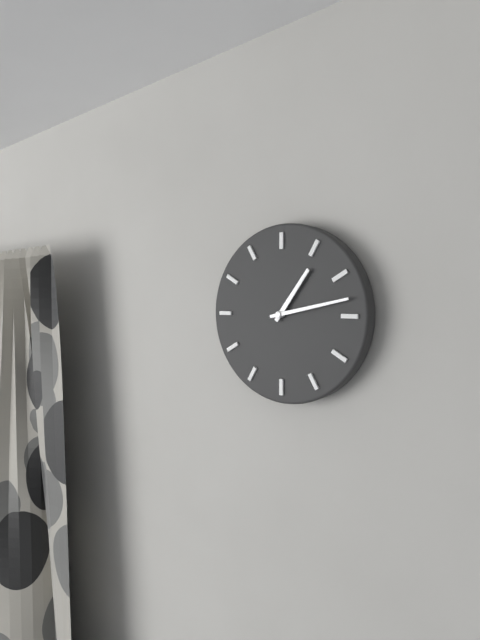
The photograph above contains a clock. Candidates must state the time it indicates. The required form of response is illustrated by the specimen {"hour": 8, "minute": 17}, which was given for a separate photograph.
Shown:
{"hour": 1, "minute": 13}
